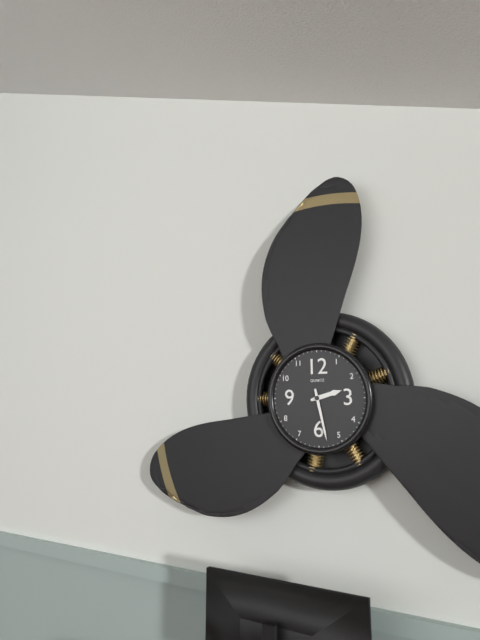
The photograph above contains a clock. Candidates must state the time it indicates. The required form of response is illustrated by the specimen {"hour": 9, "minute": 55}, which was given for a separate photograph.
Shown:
{"hour": 2, "minute": 28}
